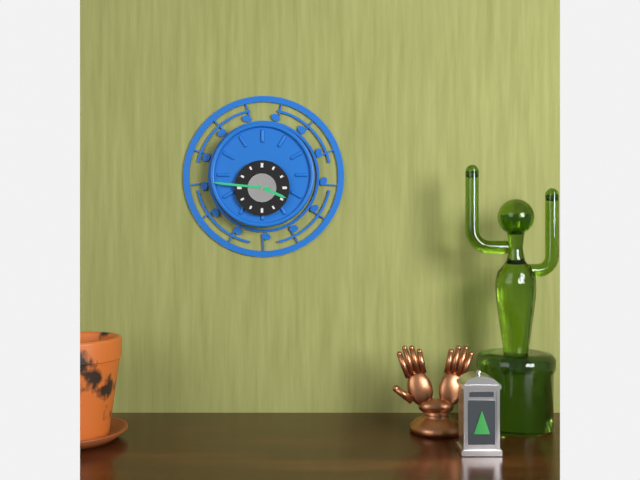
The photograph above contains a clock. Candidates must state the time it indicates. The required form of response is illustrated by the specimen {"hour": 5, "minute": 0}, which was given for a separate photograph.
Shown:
{"hour": 3, "minute": 46}
